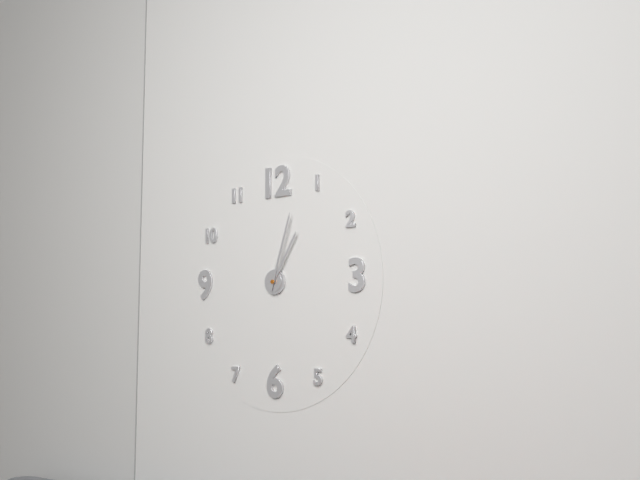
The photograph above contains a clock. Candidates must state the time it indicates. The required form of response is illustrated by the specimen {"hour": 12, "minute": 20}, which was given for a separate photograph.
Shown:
{"hour": 1, "minute": 3}
